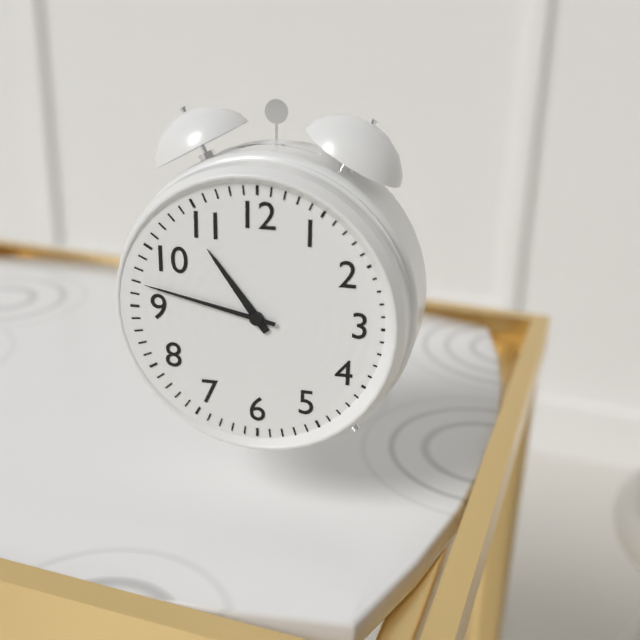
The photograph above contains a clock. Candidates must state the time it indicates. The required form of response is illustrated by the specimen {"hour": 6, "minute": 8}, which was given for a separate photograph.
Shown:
{"hour": 10, "minute": 47}
